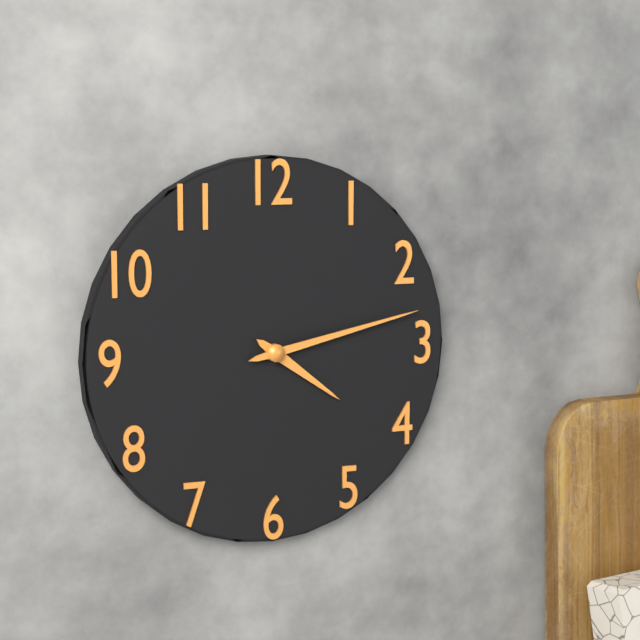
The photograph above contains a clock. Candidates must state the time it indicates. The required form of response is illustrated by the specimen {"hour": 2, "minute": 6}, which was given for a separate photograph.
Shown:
{"hour": 4, "minute": 13}
